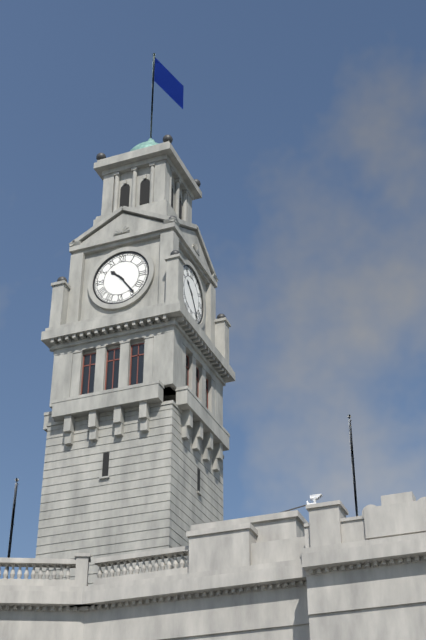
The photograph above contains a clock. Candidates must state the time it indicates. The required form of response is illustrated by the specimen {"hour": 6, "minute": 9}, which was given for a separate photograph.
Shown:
{"hour": 10, "minute": 24}
